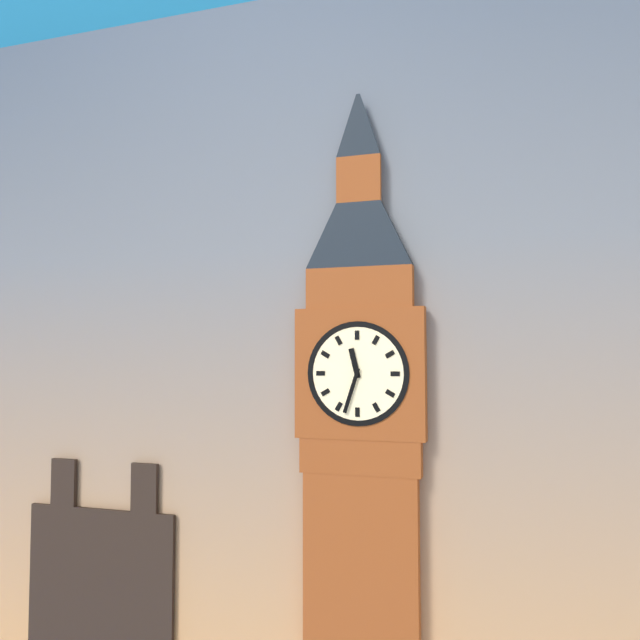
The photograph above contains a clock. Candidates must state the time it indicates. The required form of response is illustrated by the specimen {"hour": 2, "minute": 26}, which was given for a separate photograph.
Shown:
{"hour": 11, "minute": 33}
